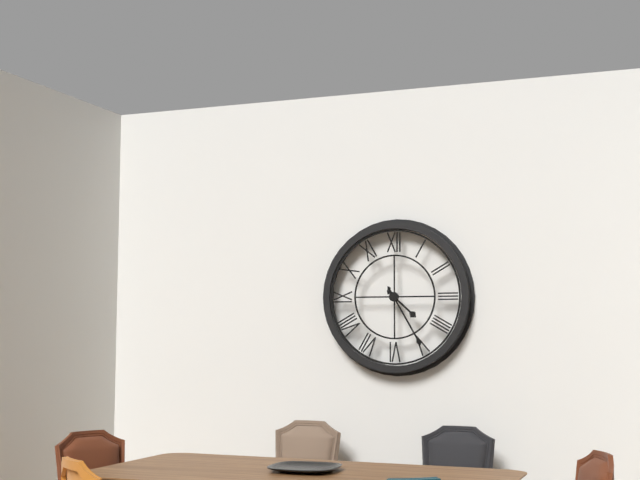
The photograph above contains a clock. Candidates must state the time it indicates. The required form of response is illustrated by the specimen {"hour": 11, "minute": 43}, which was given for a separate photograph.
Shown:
{"hour": 4, "minute": 25}
